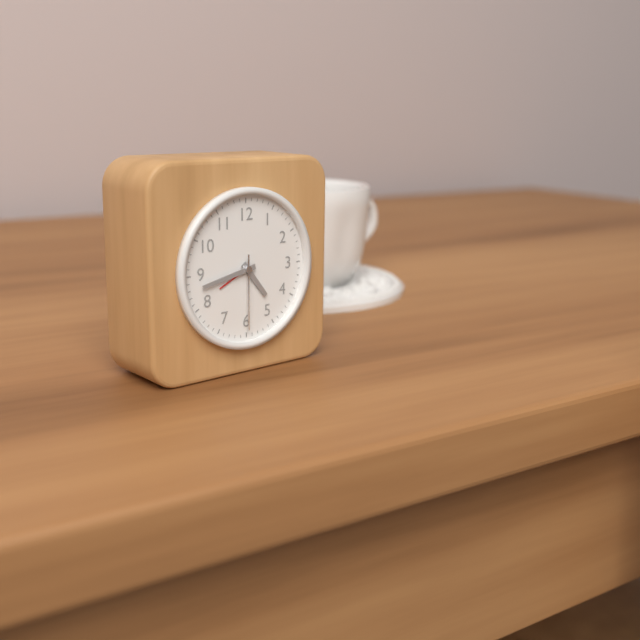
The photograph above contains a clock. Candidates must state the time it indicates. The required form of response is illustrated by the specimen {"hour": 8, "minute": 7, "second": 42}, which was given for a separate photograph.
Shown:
{"hour": 4, "minute": 43, "second": 30}
